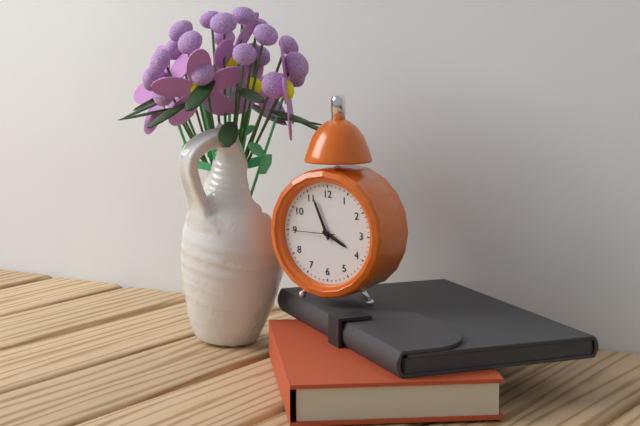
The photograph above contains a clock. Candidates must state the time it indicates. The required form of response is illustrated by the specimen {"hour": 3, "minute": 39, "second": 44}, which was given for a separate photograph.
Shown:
{"hour": 3, "minute": 56, "second": 45}
